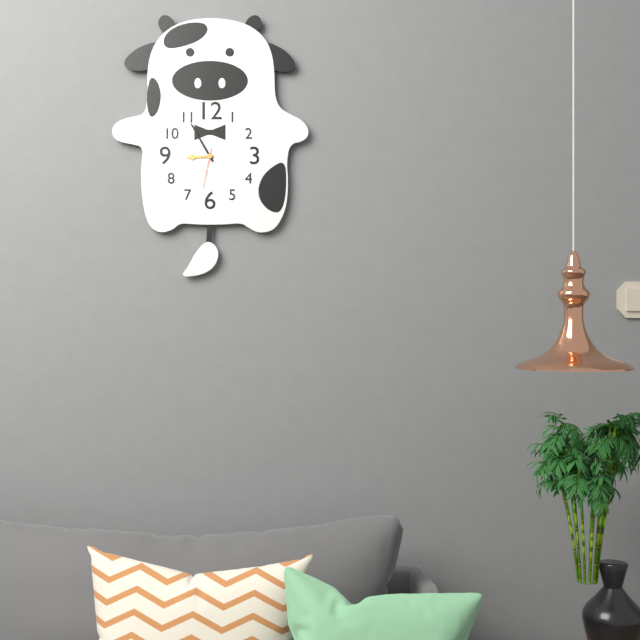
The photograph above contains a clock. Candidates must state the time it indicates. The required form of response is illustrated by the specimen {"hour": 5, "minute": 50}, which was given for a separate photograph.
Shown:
{"hour": 8, "minute": 55}
